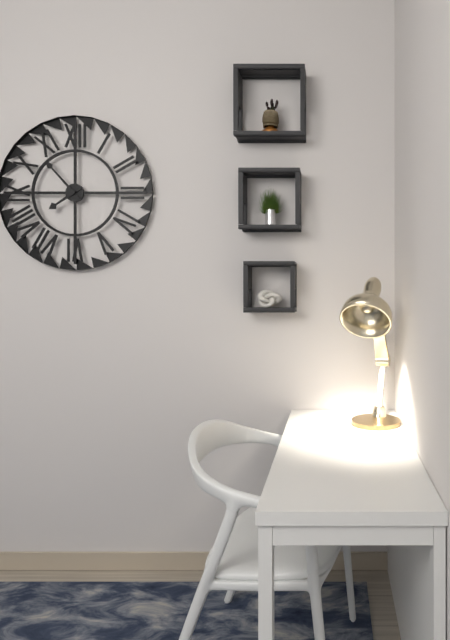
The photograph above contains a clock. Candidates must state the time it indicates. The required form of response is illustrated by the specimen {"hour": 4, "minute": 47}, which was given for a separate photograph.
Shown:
{"hour": 7, "minute": 53}
